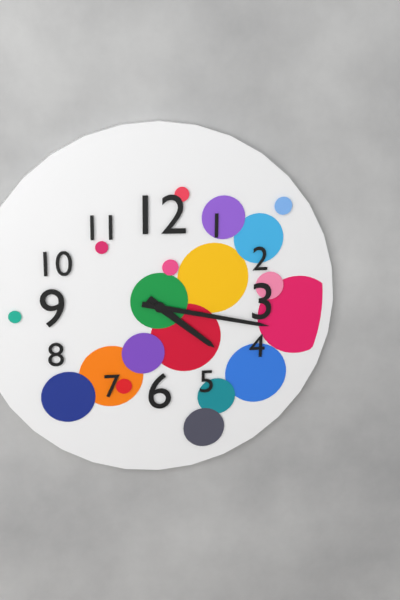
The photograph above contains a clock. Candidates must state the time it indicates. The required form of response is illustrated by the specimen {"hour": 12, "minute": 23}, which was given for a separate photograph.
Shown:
{"hour": 4, "minute": 17}
